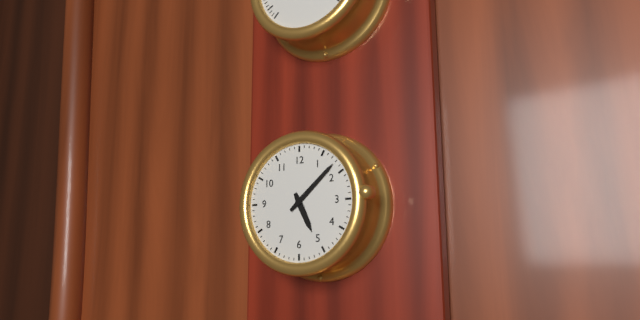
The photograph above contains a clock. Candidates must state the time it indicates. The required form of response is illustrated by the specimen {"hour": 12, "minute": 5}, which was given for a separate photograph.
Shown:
{"hour": 5, "minute": 8}
